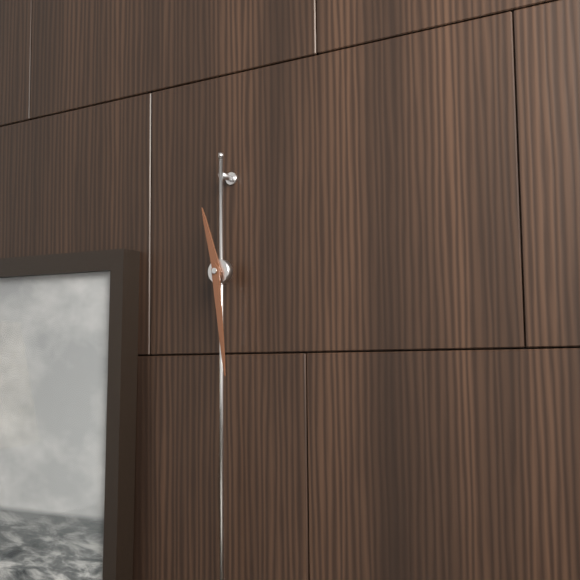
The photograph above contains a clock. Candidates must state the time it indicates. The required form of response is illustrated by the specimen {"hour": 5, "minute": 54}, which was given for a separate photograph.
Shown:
{"hour": 11, "minute": 29}
